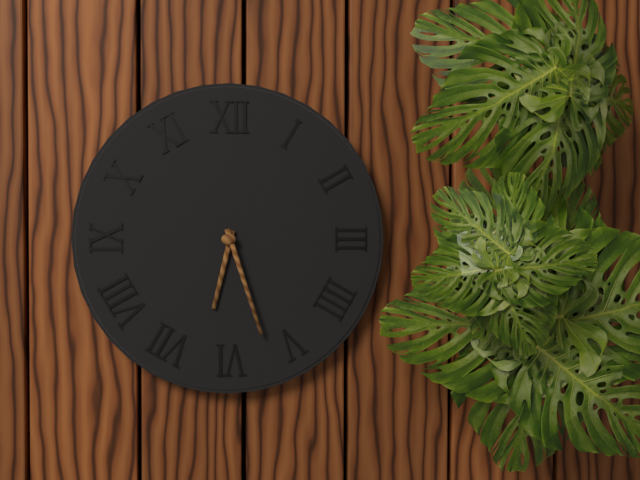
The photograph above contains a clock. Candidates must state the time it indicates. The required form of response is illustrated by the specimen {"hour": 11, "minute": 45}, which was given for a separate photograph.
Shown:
{"hour": 6, "minute": 27}
